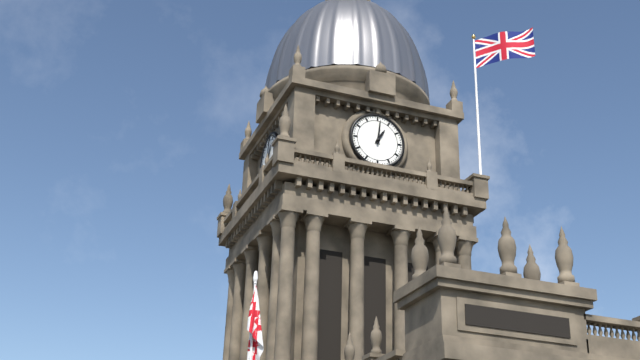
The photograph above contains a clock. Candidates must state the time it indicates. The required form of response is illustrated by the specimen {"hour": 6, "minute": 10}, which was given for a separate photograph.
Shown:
{"hour": 1, "minute": 1}
